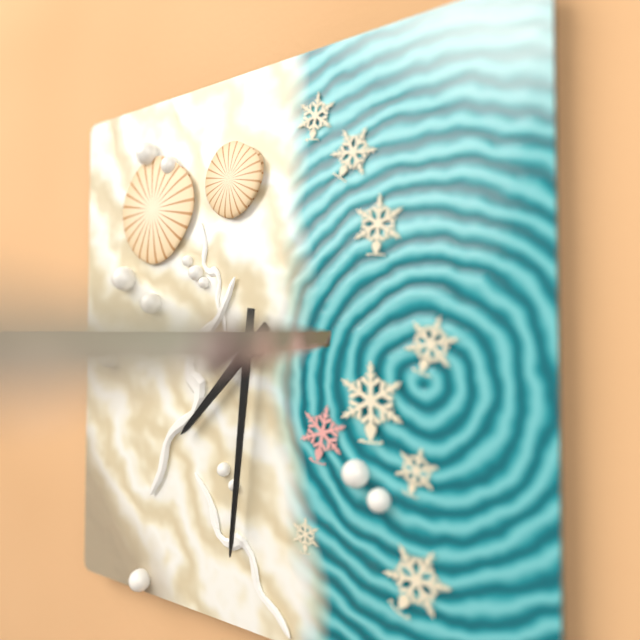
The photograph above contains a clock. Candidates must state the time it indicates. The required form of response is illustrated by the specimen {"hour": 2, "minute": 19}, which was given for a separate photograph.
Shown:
{"hour": 7, "minute": 31}
